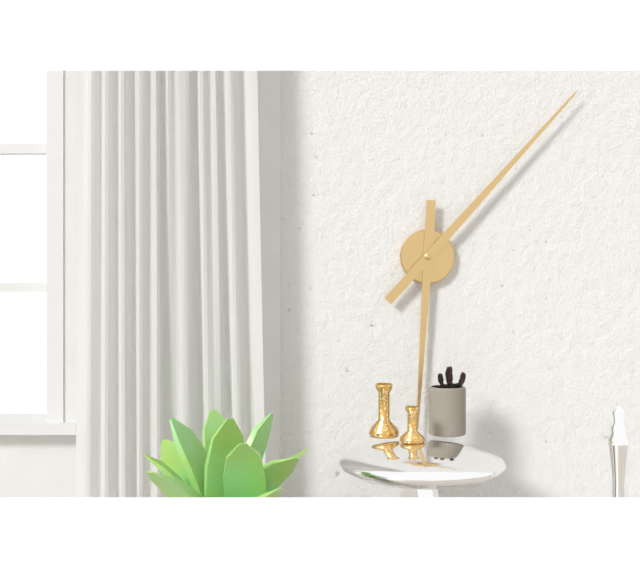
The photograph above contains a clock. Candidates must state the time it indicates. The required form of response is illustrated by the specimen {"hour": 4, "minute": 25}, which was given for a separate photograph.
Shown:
{"hour": 6, "minute": 7}
